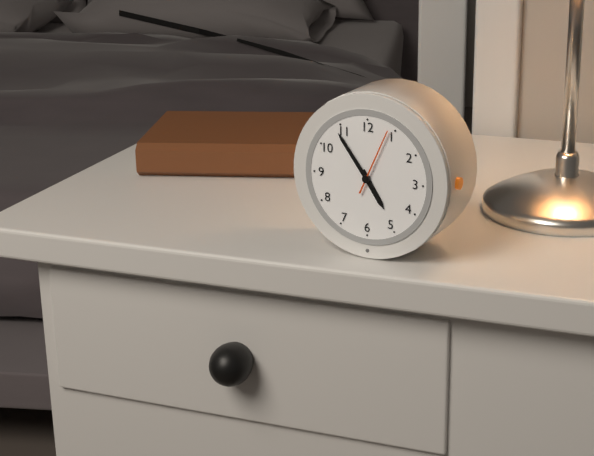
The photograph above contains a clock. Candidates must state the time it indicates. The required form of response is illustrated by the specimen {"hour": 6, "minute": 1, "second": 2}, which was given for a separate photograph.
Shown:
{"hour": 4, "minute": 54, "second": 4}
